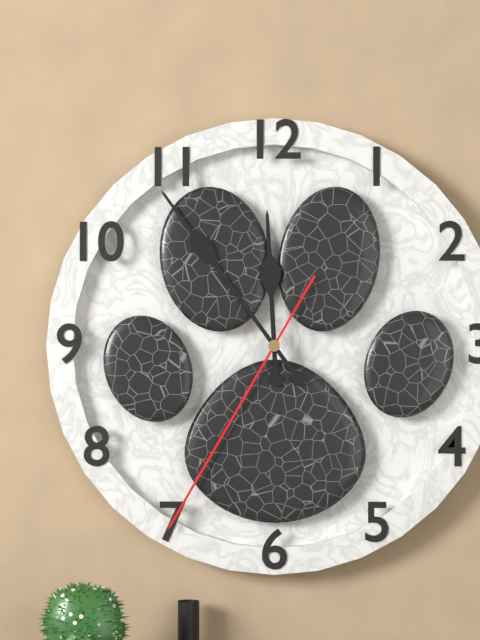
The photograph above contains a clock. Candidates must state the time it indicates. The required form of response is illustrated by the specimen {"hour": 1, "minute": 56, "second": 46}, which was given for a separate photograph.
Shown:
{"hour": 11, "minute": 54, "second": 35}
